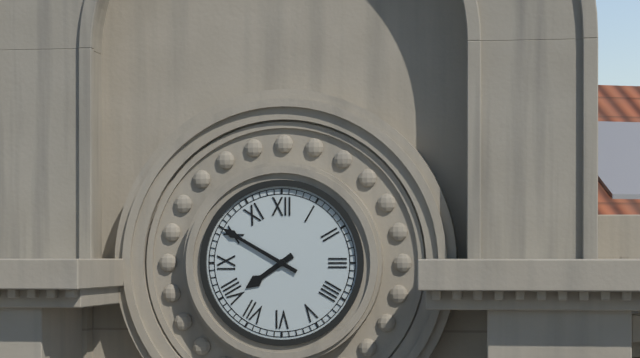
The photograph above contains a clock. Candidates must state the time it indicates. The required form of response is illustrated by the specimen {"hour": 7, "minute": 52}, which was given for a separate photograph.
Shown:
{"hour": 7, "minute": 50}
